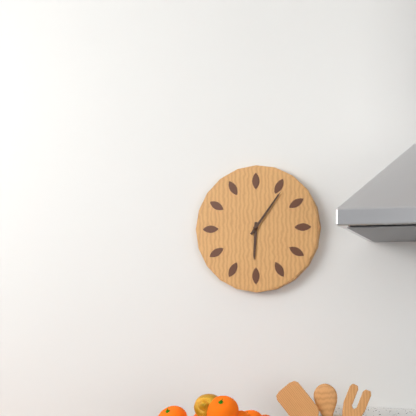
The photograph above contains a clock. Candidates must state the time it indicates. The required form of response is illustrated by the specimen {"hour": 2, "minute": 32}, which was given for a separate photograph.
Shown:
{"hour": 6, "minute": 6}
